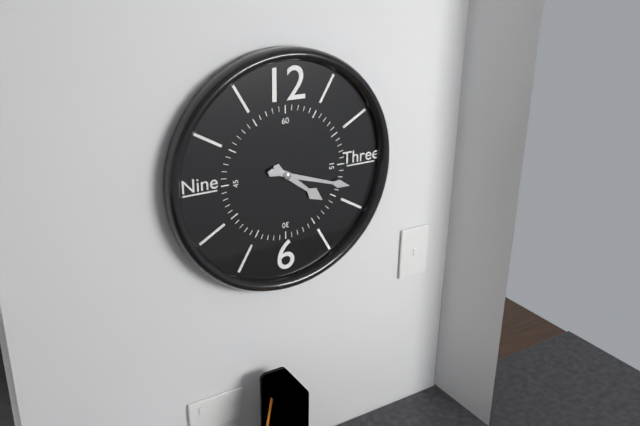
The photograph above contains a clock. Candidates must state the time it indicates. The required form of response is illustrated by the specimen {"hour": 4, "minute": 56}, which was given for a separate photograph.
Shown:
{"hour": 4, "minute": 18}
